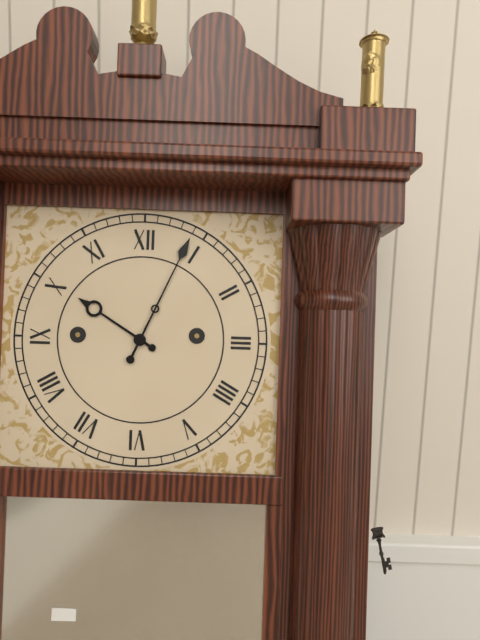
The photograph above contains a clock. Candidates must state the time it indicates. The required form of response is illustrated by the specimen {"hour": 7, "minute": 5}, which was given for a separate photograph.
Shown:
{"hour": 10, "minute": 4}
